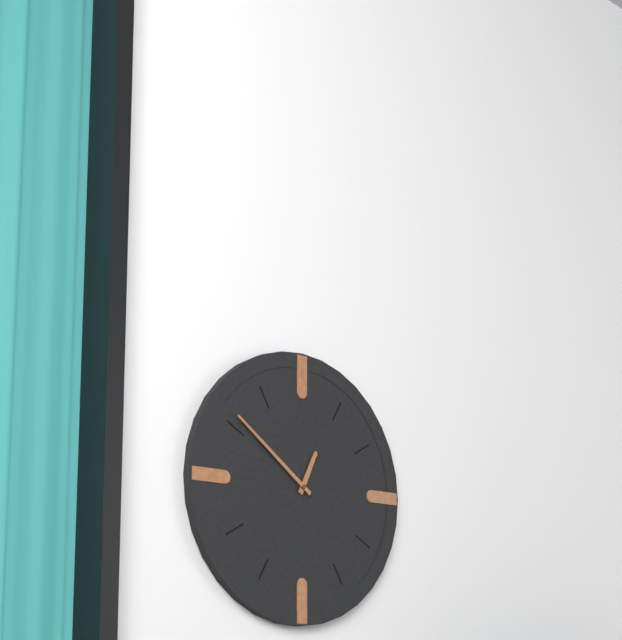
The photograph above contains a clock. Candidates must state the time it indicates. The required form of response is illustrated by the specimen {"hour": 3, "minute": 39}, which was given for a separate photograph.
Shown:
{"hour": 12, "minute": 51}
